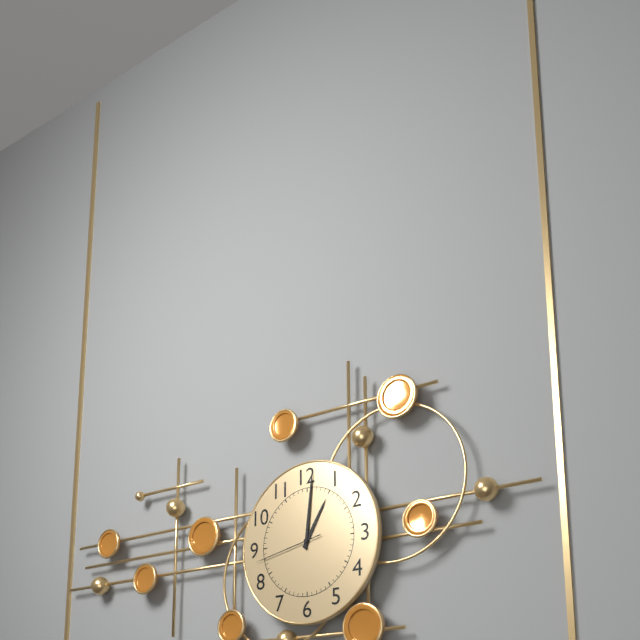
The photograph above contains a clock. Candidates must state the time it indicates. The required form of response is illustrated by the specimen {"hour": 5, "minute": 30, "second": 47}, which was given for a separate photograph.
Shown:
{"hour": 1, "minute": 1, "second": 43}
